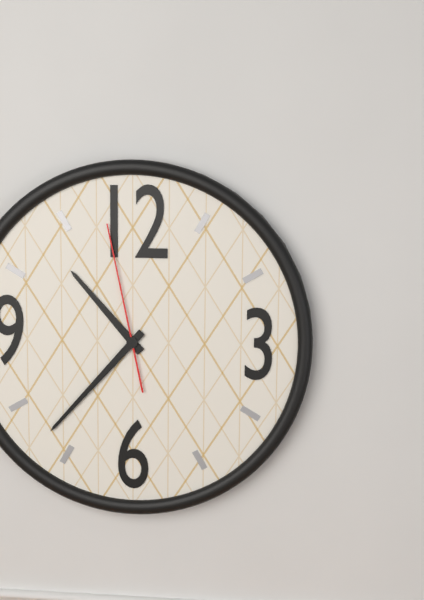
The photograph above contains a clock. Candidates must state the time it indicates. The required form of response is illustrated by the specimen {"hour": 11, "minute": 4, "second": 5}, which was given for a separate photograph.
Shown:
{"hour": 10, "minute": 37, "second": 58}
